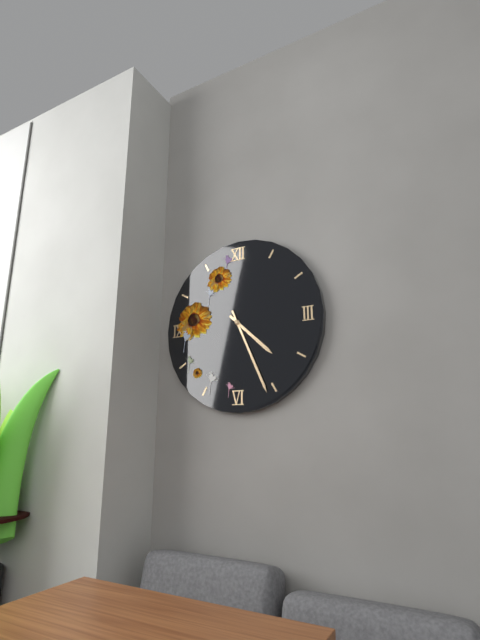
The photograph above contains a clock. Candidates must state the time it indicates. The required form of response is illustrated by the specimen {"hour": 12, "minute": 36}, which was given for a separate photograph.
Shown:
{"hour": 4, "minute": 26}
